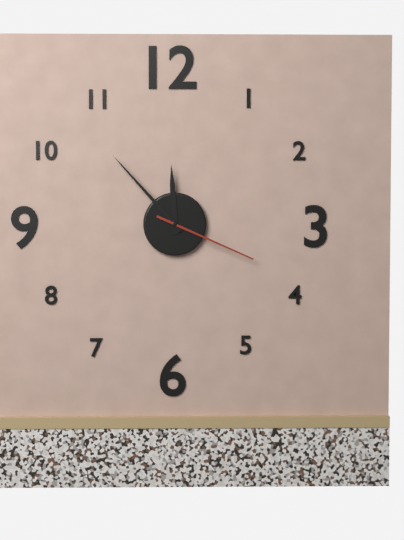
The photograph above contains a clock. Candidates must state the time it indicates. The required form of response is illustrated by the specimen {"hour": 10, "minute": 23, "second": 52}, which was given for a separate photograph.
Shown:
{"hour": 11, "minute": 53, "second": 19}
